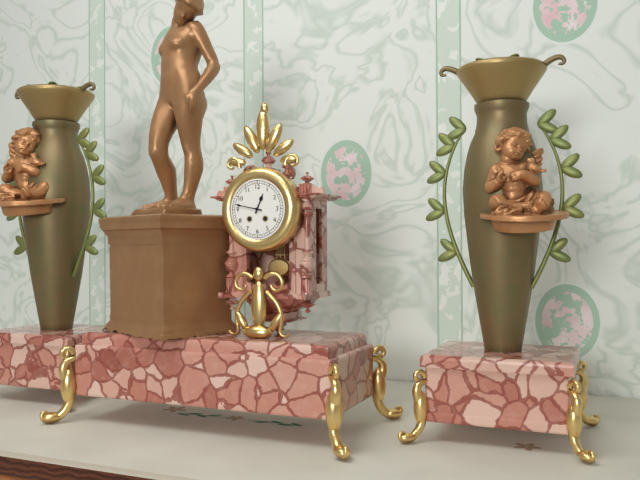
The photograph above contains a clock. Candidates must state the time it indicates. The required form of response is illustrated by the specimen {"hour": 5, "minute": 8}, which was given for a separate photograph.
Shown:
{"hour": 12, "minute": 47}
